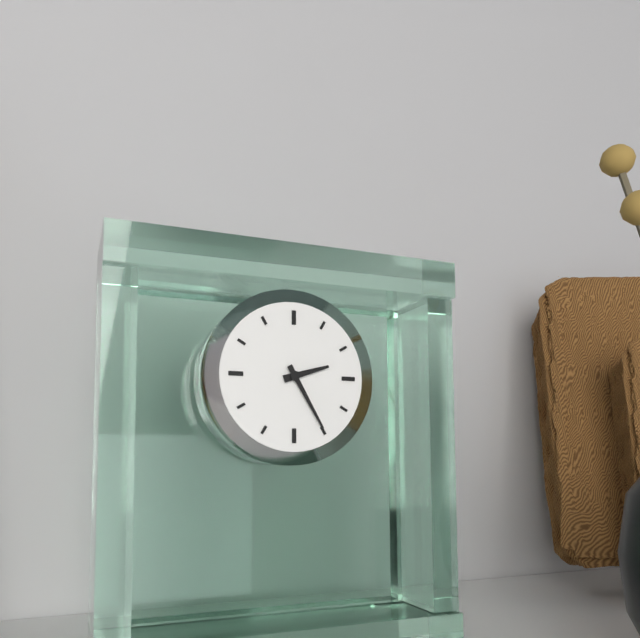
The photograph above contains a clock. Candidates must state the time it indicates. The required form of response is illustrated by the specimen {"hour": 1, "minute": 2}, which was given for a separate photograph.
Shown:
{"hour": 2, "minute": 25}
